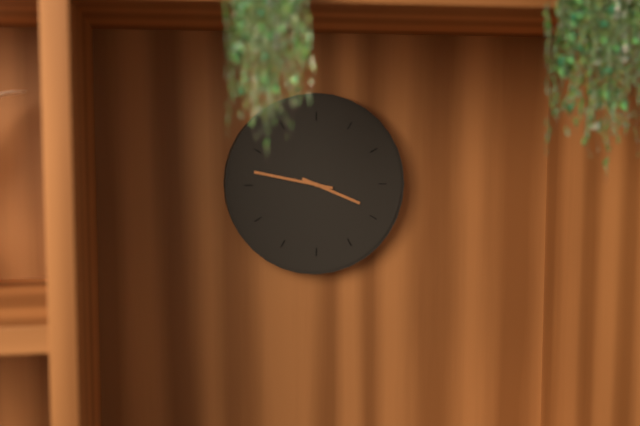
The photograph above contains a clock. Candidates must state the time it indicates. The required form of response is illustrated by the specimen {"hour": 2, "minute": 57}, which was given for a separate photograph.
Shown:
{"hour": 3, "minute": 47}
